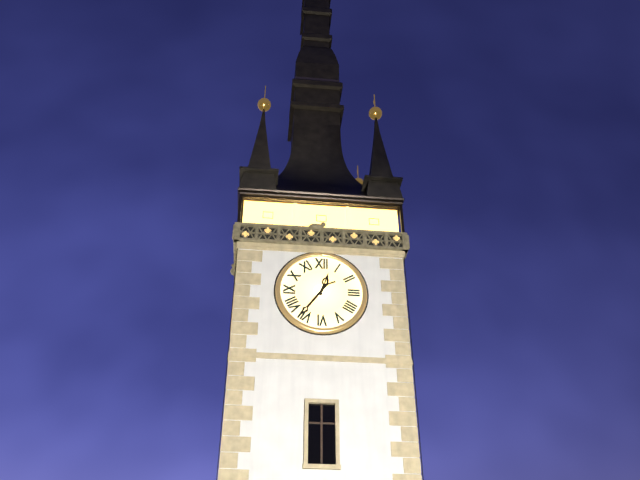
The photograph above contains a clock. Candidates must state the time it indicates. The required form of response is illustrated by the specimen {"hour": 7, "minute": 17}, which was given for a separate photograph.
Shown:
{"hour": 12, "minute": 36}
